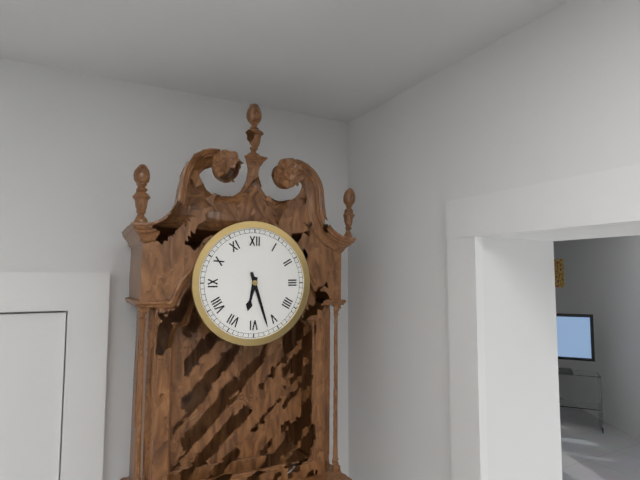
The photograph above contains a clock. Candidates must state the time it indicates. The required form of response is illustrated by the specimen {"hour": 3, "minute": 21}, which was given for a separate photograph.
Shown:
{"hour": 6, "minute": 27}
